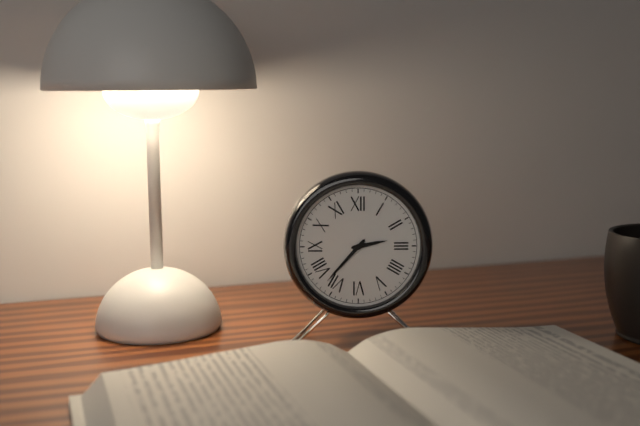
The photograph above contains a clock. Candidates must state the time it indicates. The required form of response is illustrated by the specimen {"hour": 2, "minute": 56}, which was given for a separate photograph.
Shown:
{"hour": 2, "minute": 37}
